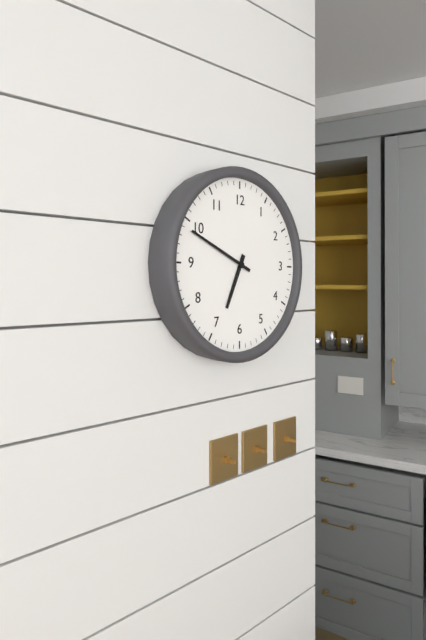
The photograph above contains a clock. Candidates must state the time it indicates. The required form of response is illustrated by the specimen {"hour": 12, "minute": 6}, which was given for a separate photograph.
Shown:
{"hour": 6, "minute": 49}
